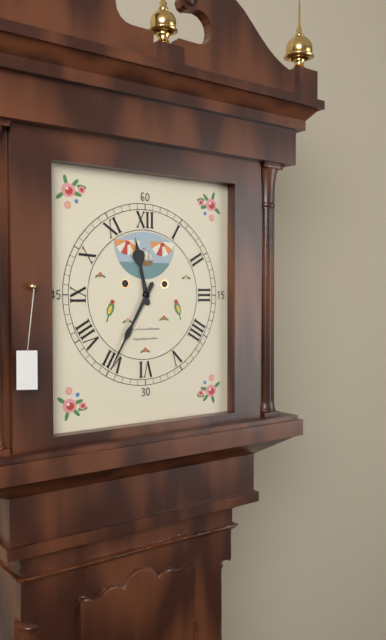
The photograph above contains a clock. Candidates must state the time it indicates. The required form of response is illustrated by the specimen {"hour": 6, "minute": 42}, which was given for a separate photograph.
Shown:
{"hour": 11, "minute": 35}
